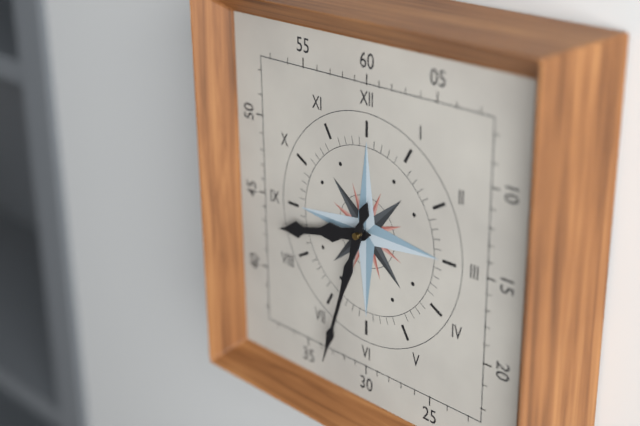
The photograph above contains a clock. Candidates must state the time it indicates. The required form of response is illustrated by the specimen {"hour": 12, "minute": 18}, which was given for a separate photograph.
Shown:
{"hour": 8, "minute": 33}
